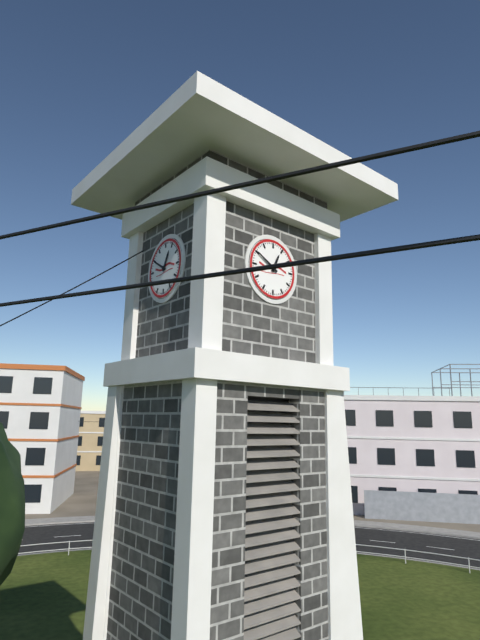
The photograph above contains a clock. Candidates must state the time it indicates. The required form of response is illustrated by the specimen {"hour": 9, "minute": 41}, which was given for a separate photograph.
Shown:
{"hour": 12, "minute": 50}
